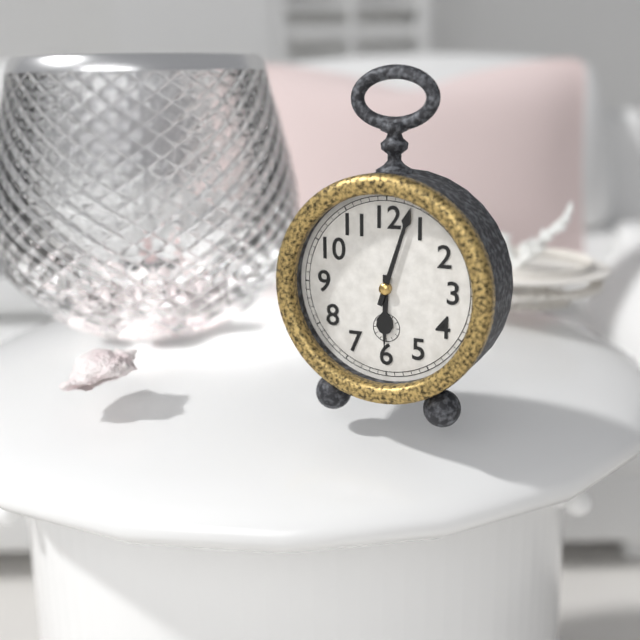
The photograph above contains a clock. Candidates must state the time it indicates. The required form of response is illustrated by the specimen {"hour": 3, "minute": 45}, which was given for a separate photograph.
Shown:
{"hour": 6, "minute": 3}
